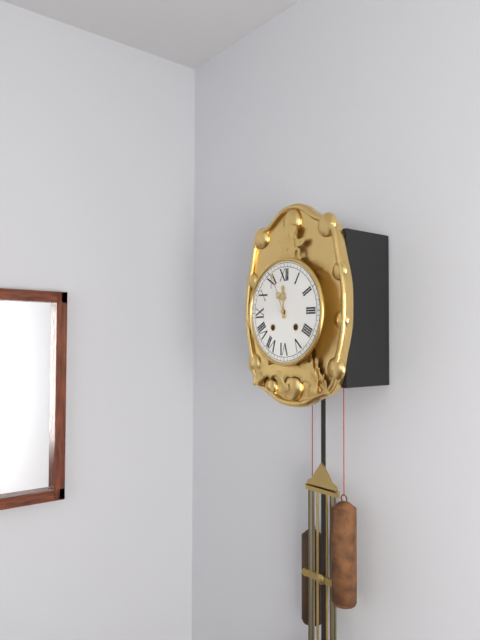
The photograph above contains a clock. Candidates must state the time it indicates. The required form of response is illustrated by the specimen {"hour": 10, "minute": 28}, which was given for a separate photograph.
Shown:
{"hour": 11, "minute": 56}
